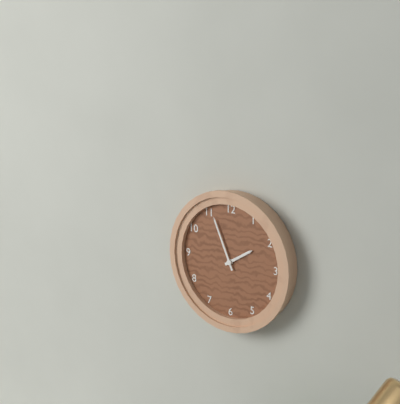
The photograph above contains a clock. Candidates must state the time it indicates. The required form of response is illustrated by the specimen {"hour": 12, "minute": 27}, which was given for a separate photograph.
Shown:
{"hour": 1, "minute": 56}
